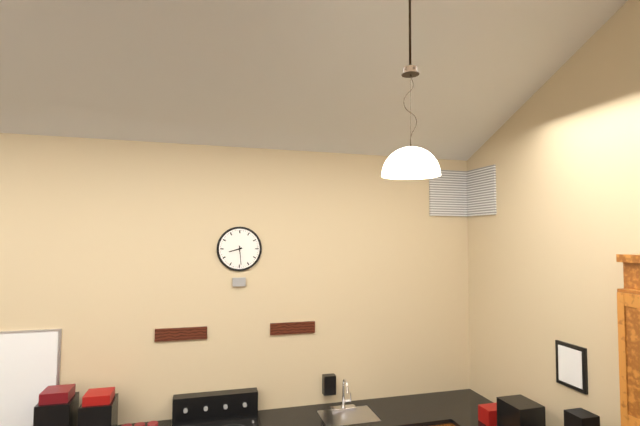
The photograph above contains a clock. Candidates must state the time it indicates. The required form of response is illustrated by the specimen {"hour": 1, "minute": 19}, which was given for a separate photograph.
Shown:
{"hour": 8, "minute": 29}
